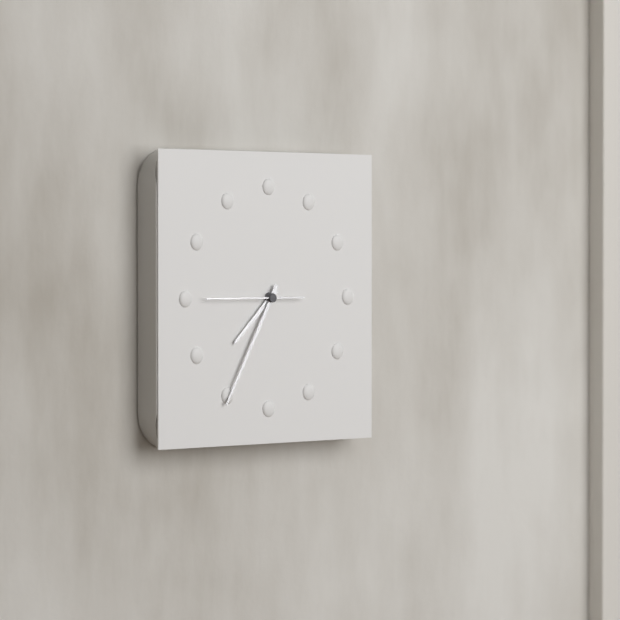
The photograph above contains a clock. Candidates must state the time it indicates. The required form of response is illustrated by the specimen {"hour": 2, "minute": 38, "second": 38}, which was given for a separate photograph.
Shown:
{"hour": 7, "minute": 35, "second": 45}
